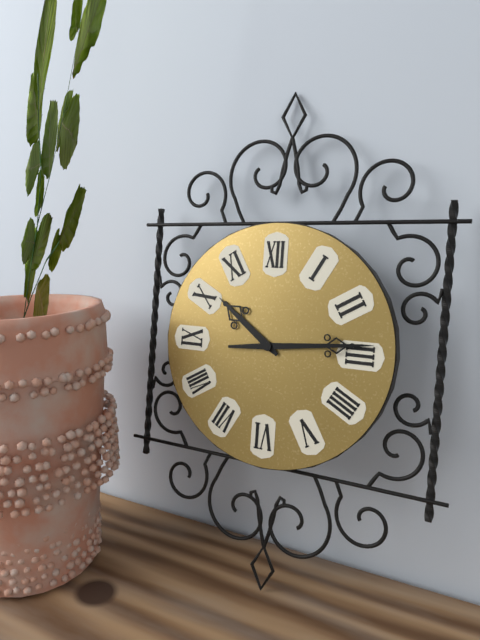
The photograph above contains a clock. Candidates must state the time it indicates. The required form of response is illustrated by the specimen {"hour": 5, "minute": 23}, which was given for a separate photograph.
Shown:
{"hour": 10, "minute": 14}
